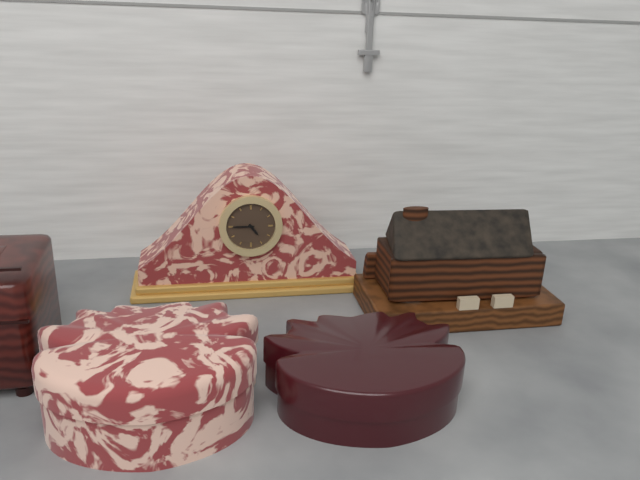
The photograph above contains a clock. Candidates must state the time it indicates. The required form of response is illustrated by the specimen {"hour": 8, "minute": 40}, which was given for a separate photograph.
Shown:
{"hour": 4, "minute": 45}
